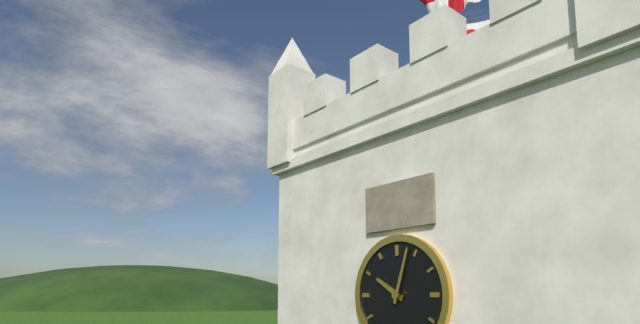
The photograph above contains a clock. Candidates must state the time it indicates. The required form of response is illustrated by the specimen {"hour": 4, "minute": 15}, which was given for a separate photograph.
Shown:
{"hour": 10, "minute": 3}
